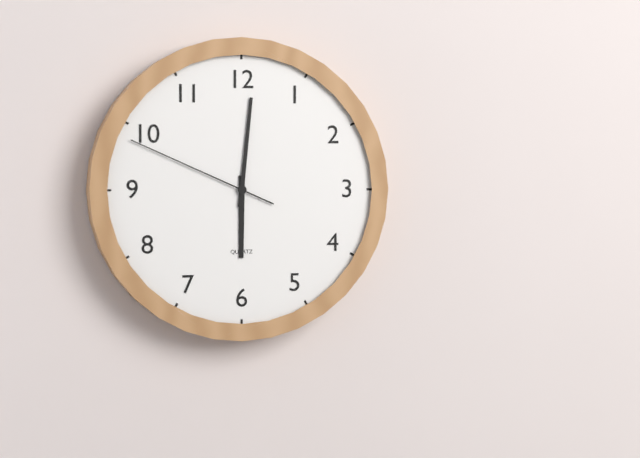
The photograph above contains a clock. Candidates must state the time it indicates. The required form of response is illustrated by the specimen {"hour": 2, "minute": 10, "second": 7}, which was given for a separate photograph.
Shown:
{"hour": 6, "minute": 1, "second": 49}
